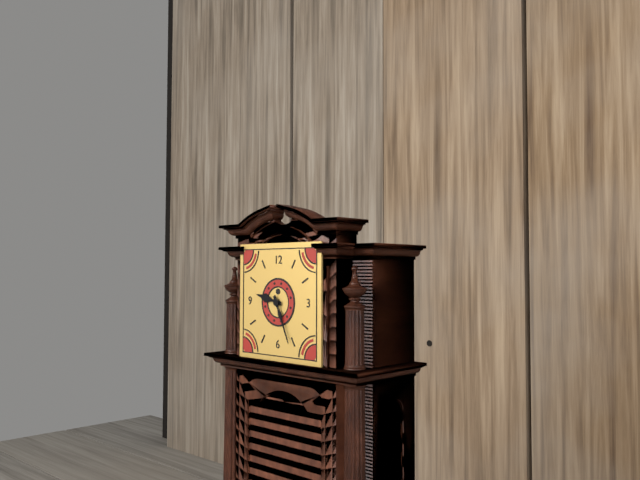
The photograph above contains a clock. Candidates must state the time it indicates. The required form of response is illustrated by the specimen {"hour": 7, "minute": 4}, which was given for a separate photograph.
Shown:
{"hour": 9, "minute": 26}
